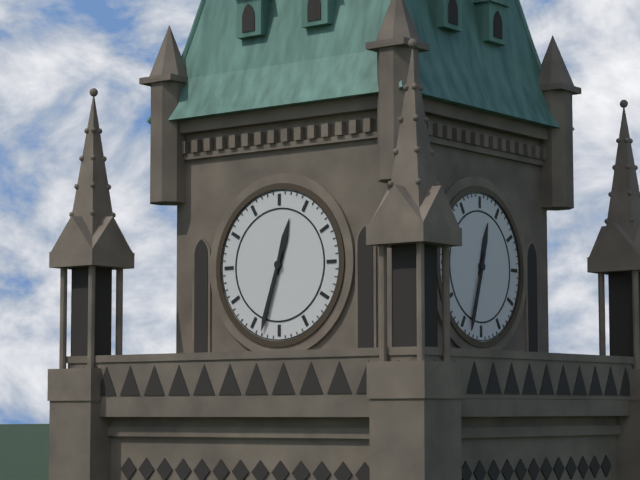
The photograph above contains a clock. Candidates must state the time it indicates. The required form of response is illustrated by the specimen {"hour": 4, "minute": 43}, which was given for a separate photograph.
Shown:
{"hour": 12, "minute": 33}
